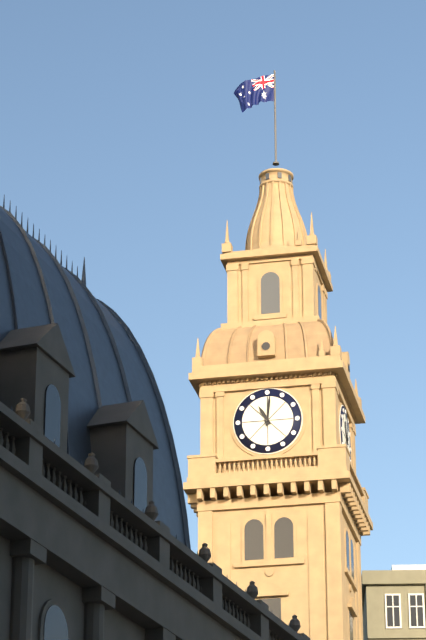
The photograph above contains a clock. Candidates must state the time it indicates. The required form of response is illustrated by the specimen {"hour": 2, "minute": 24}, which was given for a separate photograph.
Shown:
{"hour": 11, "minute": 1}
